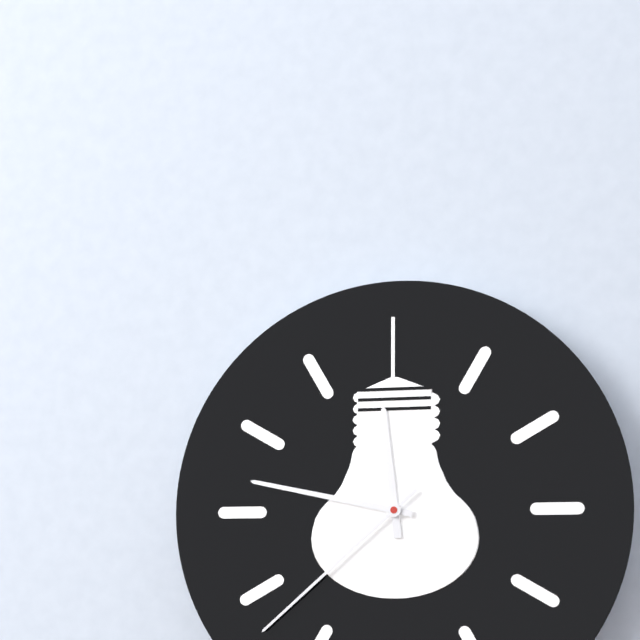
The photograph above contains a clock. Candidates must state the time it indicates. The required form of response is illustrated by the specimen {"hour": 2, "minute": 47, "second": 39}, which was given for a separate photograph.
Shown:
{"hour": 11, "minute": 47, "second": 38}
